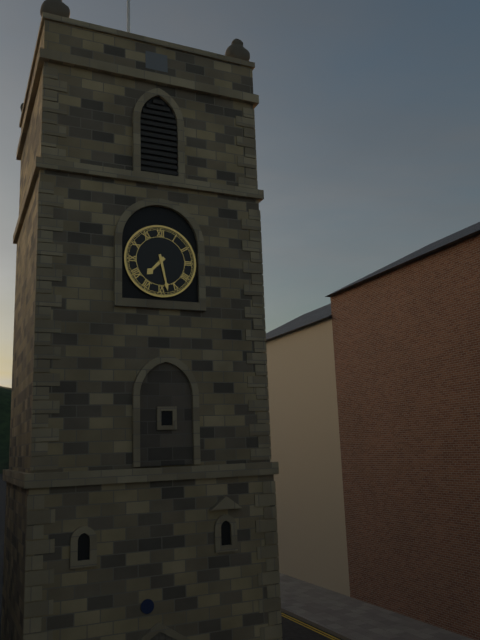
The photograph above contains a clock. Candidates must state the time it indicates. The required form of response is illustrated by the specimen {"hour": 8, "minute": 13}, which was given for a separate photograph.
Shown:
{"hour": 7, "minute": 28}
